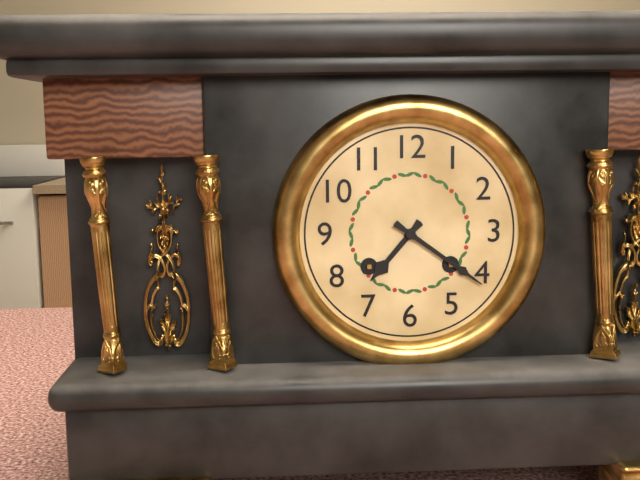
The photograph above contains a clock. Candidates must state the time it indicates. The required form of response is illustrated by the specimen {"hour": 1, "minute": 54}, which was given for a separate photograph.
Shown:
{"hour": 7, "minute": 21}
